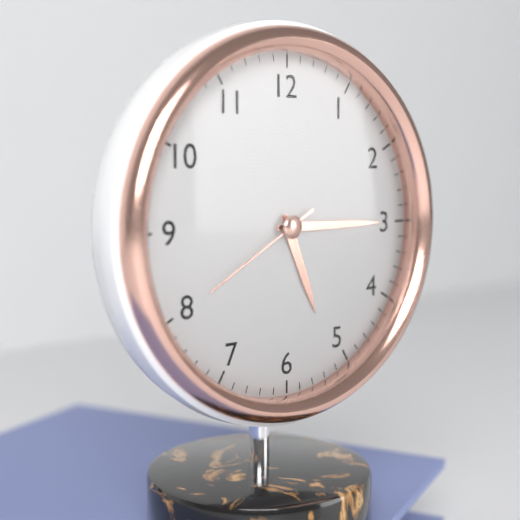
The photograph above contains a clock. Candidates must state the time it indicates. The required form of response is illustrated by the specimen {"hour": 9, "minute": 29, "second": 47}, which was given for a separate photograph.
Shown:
{"hour": 5, "minute": 15, "second": 40}
